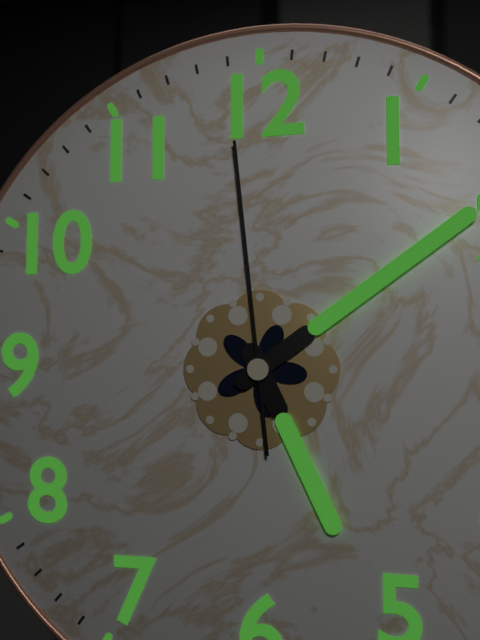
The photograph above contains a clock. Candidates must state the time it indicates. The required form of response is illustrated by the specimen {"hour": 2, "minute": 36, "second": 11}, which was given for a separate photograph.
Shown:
{"hour": 5, "minute": 9, "second": 59}
